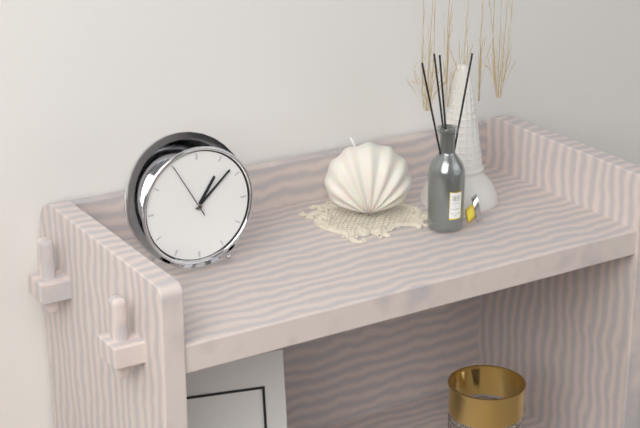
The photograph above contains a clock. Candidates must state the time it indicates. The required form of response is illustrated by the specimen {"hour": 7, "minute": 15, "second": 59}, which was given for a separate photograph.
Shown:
{"hour": 1, "minute": 8, "second": 55}
